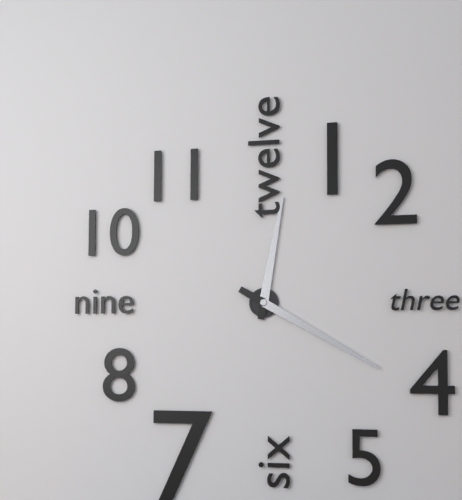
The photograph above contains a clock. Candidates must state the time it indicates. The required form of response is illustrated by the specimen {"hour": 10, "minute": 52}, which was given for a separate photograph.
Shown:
{"hour": 12, "minute": 20}
